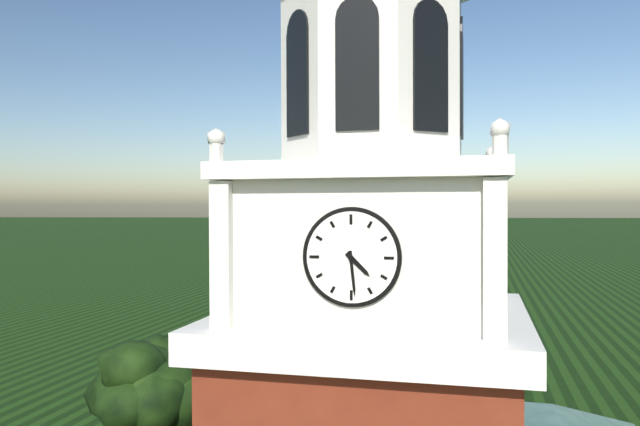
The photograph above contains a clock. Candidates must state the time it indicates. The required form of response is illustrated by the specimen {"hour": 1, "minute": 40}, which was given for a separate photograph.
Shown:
{"hour": 4, "minute": 29}
